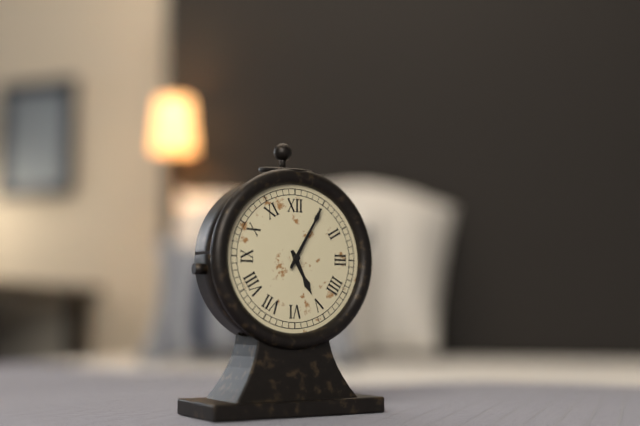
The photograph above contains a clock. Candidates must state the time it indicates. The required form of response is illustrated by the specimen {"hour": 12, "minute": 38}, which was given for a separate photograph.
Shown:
{"hour": 5, "minute": 5}
